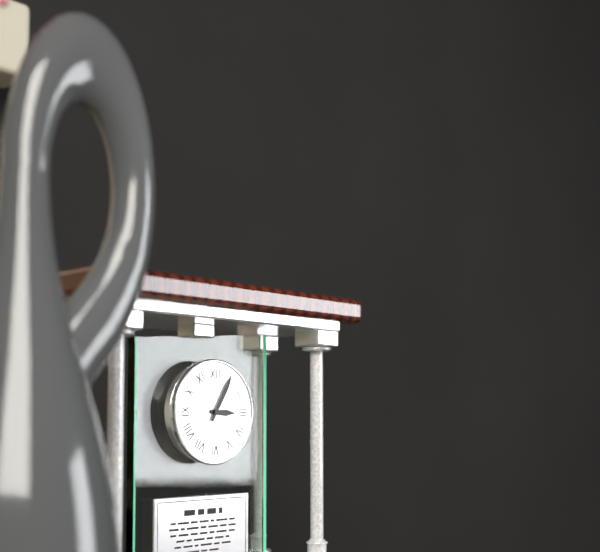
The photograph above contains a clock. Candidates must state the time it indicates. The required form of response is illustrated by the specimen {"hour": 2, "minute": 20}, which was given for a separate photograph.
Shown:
{"hour": 3, "minute": 5}
